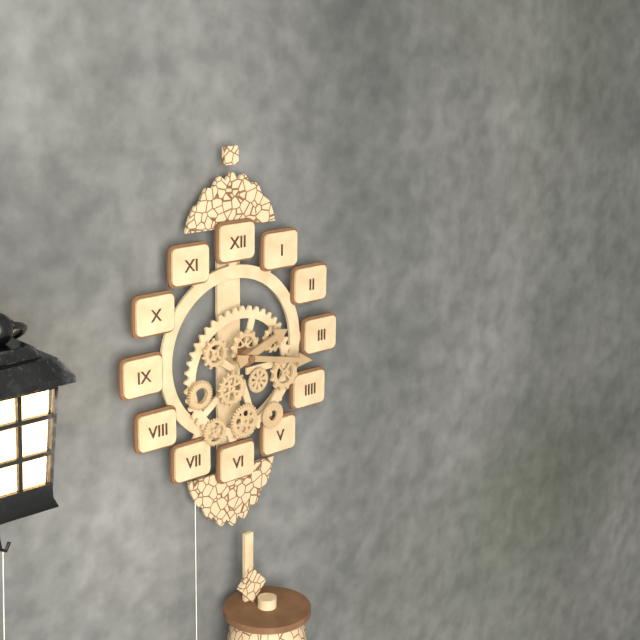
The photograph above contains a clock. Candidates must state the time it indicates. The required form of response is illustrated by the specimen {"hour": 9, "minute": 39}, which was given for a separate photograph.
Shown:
{"hour": 2, "minute": 17}
